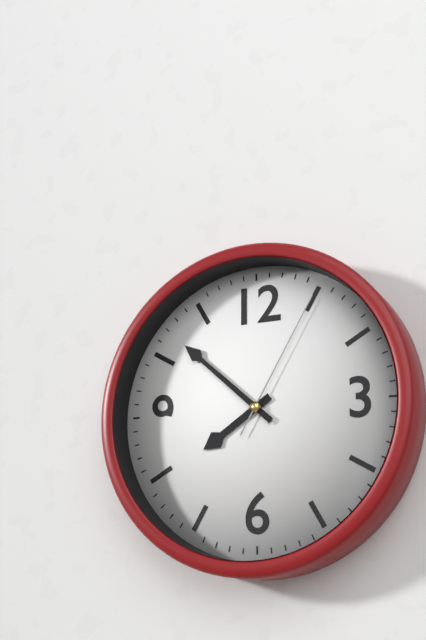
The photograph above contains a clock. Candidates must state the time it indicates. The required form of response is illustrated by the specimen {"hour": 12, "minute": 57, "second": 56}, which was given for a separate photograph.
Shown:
{"hour": 7, "minute": 52, "second": 5}
